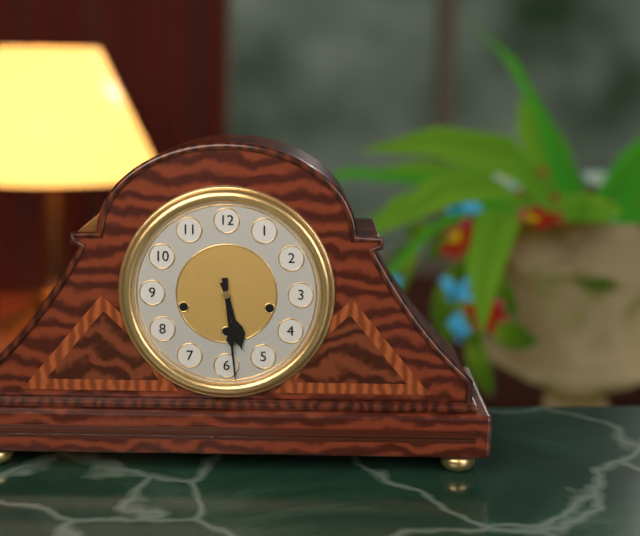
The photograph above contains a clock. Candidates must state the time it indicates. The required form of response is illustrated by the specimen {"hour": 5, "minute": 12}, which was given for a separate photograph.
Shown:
{"hour": 5, "minute": 29}
